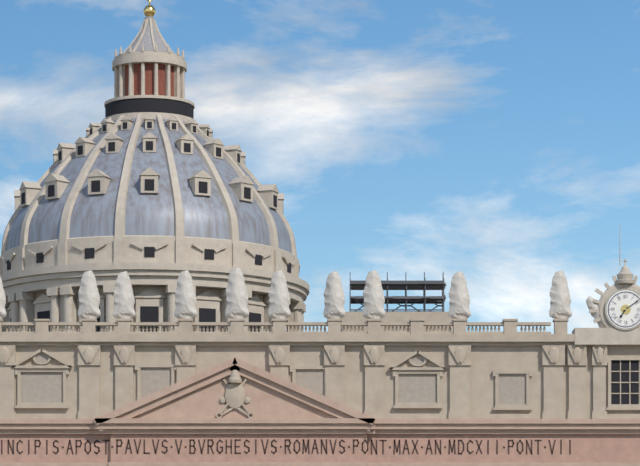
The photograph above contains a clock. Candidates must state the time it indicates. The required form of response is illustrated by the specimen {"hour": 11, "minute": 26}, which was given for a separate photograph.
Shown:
{"hour": 7, "minute": 9}
